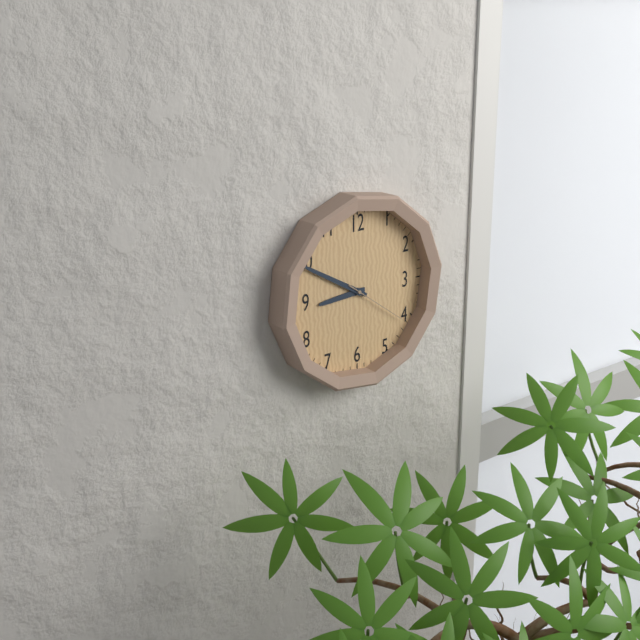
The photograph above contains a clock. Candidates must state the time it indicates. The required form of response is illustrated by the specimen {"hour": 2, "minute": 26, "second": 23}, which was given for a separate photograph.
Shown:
{"hour": 8, "minute": 50, "second": 21}
